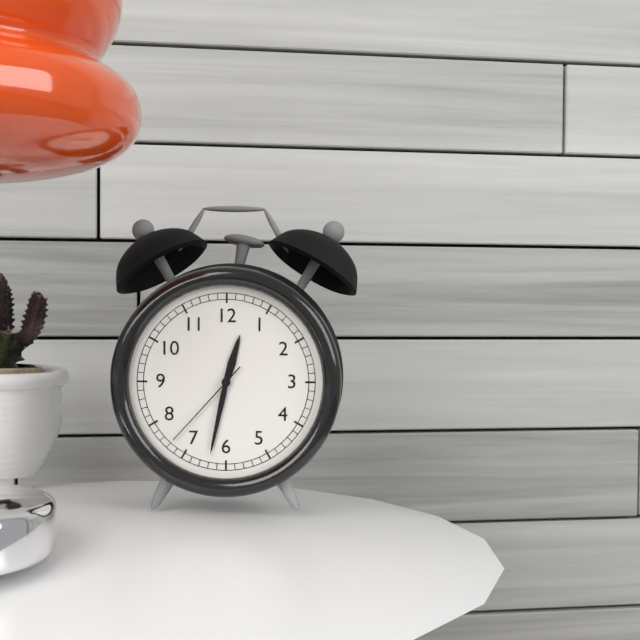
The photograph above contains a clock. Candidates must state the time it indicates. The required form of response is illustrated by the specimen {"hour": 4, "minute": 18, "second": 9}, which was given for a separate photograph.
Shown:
{"hour": 12, "minute": 32, "second": 37}
